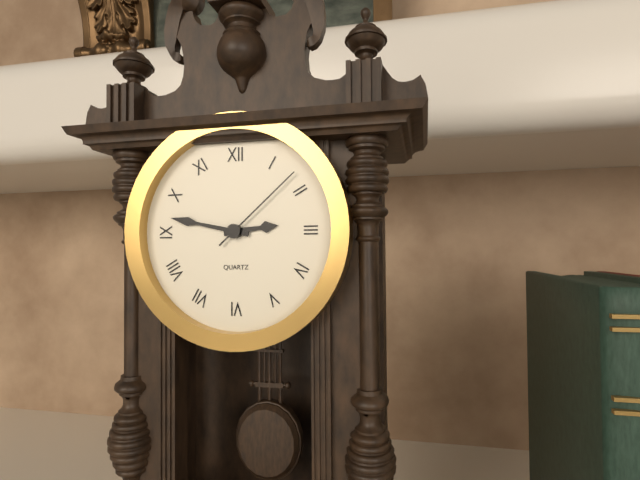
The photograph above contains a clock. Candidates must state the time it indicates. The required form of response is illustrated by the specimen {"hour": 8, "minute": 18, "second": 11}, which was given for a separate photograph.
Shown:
{"hour": 2, "minute": 47, "second": 8}
